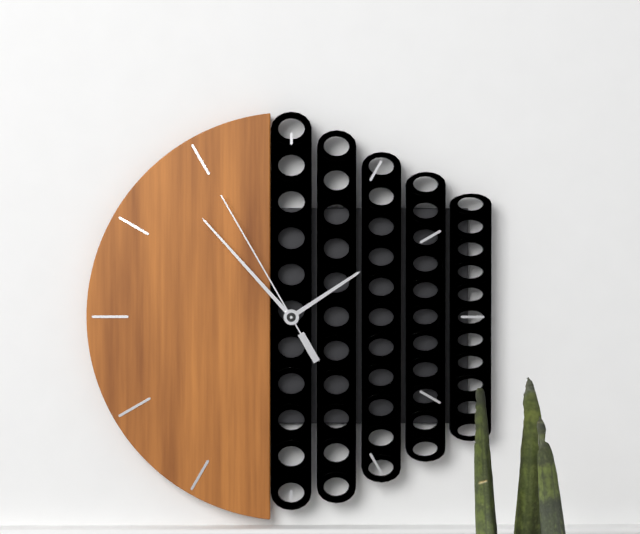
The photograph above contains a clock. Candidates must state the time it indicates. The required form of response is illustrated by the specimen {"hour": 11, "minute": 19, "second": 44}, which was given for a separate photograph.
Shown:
{"hour": 1, "minute": 53, "second": 55}
